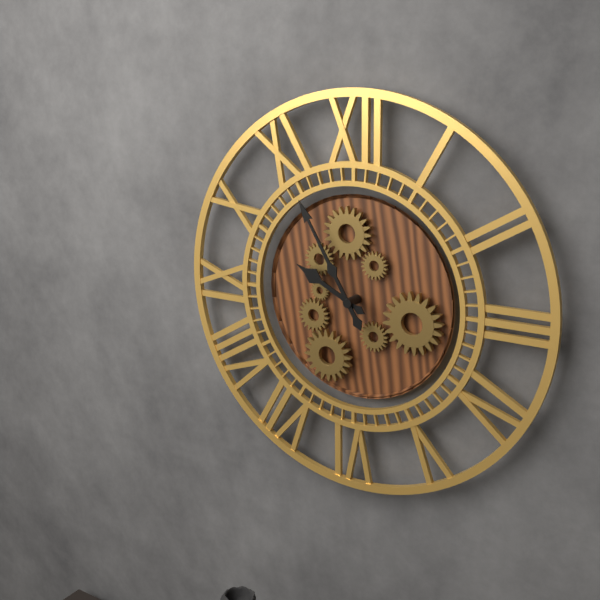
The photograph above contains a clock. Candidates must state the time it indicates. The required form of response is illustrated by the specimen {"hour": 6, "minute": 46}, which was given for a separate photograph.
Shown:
{"hour": 9, "minute": 55}
